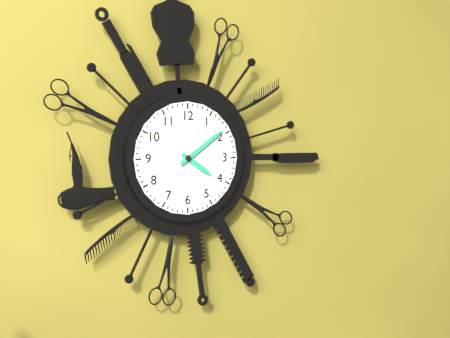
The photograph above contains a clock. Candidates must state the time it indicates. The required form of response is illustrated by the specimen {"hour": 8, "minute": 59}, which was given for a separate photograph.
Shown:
{"hour": 4, "minute": 9}
